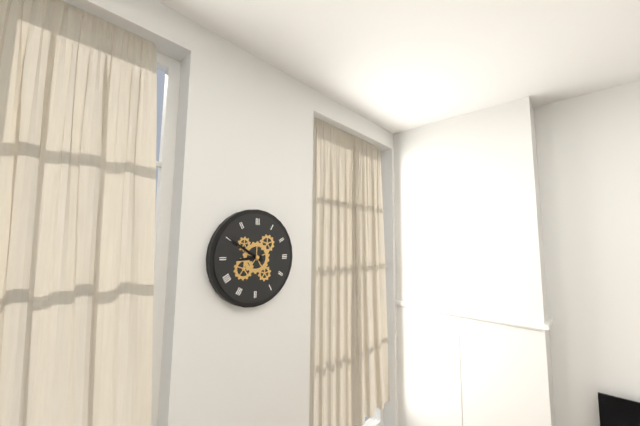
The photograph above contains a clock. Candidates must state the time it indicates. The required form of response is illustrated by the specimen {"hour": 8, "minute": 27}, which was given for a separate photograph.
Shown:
{"hour": 8, "minute": 50}
